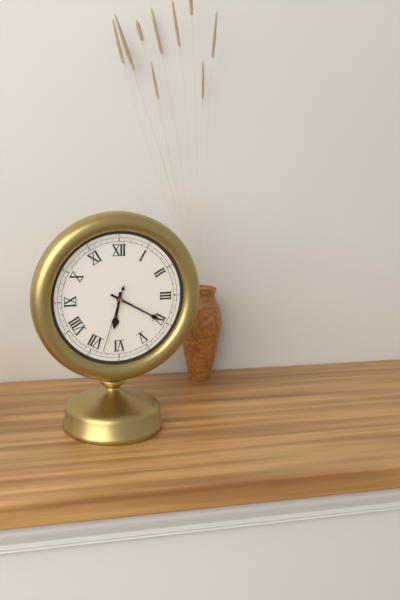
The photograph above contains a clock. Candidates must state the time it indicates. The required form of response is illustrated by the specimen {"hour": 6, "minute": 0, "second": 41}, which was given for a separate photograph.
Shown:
{"hour": 6, "minute": 20, "second": 33}
